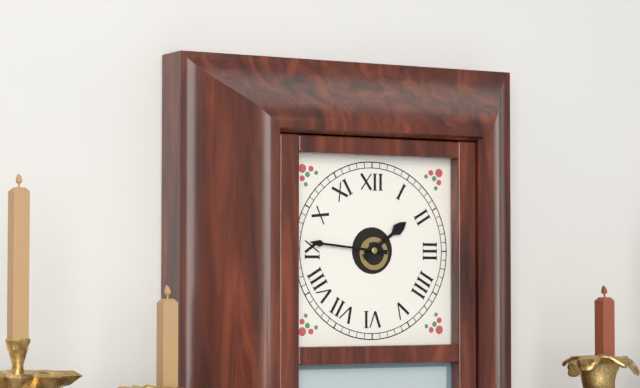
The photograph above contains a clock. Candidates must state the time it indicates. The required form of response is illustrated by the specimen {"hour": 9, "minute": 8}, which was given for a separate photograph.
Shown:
{"hour": 1, "minute": 46}
